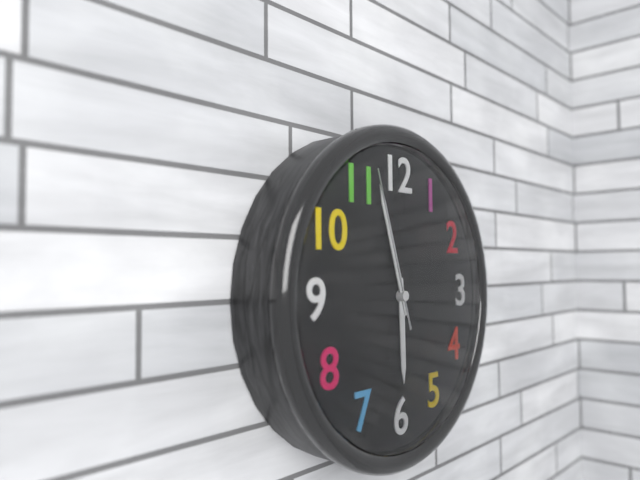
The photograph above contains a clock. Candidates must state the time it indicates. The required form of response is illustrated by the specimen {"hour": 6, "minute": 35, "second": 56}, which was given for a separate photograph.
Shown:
{"hour": 5, "minute": 57, "second": 57}
